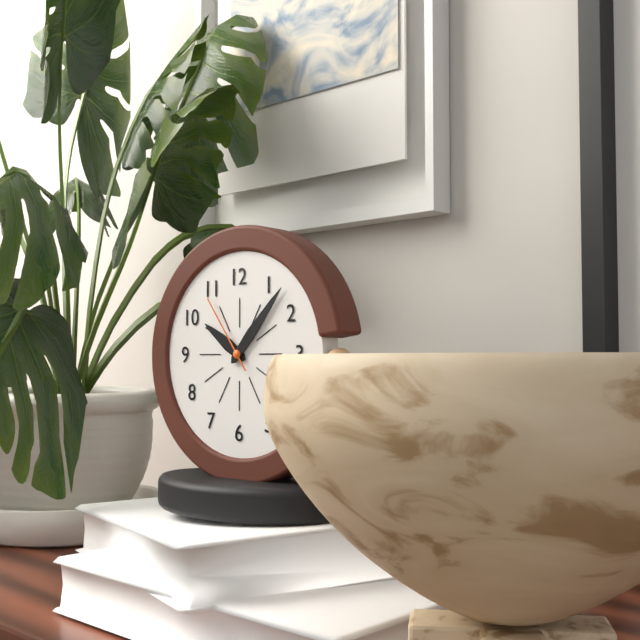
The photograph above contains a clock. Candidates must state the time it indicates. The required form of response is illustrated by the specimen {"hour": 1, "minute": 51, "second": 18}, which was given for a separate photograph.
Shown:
{"hour": 10, "minute": 7, "second": 54}
